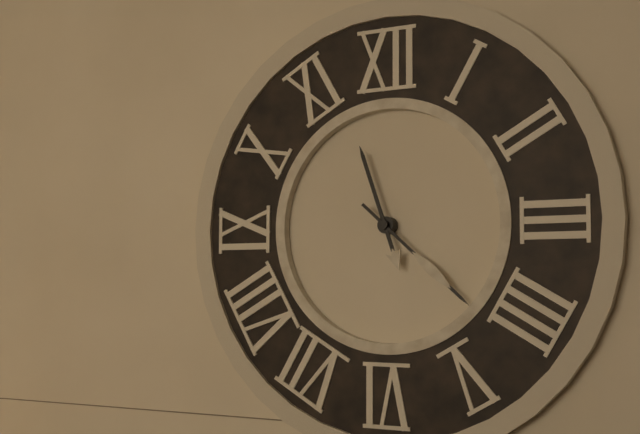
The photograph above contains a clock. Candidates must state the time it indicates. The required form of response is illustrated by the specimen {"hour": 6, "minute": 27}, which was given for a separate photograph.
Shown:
{"hour": 11, "minute": 22}
